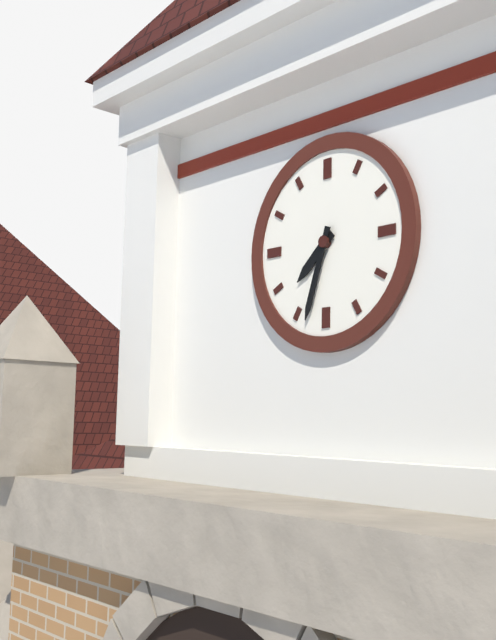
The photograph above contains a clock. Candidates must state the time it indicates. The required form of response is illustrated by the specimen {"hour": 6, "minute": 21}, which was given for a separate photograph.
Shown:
{"hour": 7, "minute": 33}
